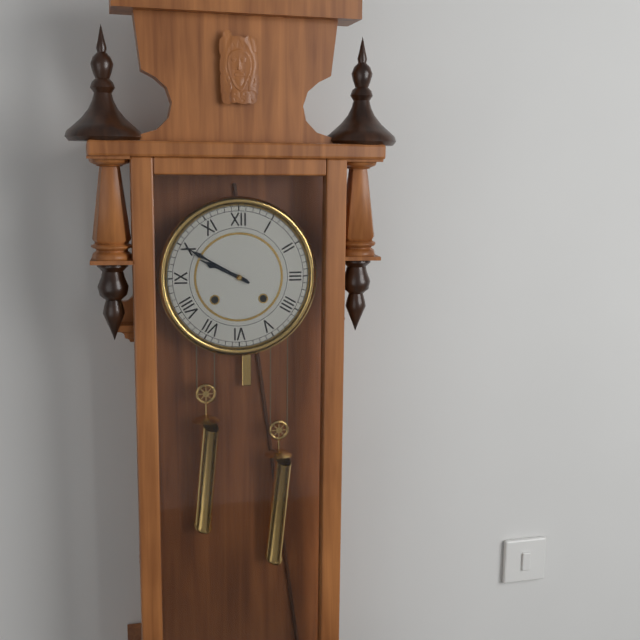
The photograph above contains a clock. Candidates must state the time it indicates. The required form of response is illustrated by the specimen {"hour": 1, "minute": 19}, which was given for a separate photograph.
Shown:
{"hour": 9, "minute": 50}
